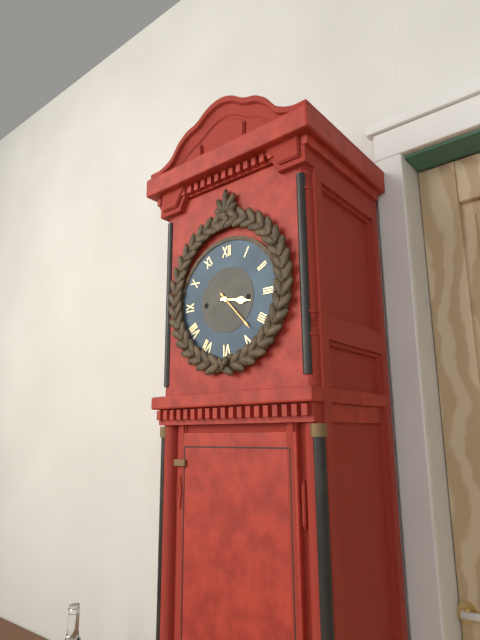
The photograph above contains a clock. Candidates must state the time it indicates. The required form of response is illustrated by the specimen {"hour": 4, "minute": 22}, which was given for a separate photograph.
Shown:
{"hour": 3, "minute": 23}
